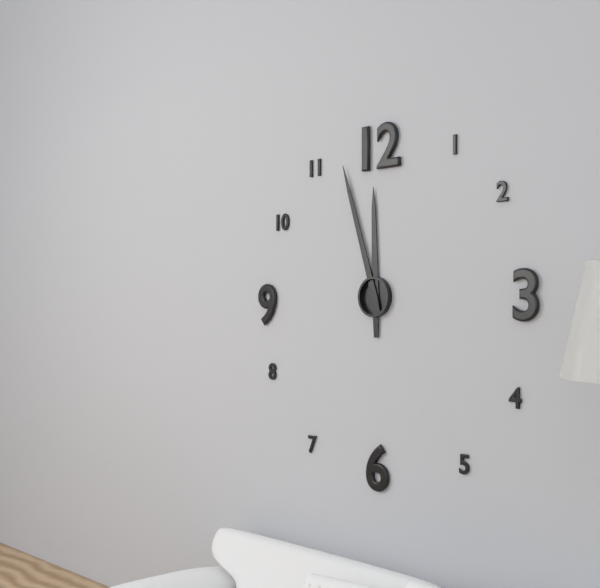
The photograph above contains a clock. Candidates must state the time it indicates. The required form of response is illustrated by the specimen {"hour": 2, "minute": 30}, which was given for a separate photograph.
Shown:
{"hour": 11, "minute": 57}
